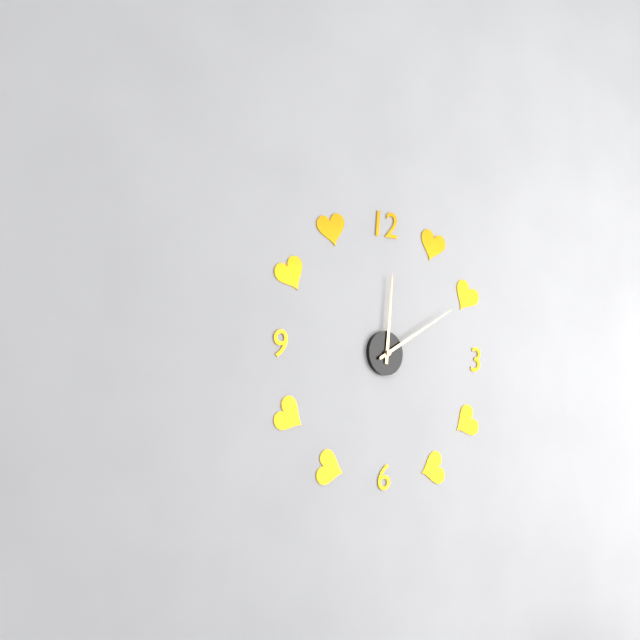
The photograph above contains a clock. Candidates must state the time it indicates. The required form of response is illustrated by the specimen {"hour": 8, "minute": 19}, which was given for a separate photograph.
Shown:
{"hour": 12, "minute": 10}
